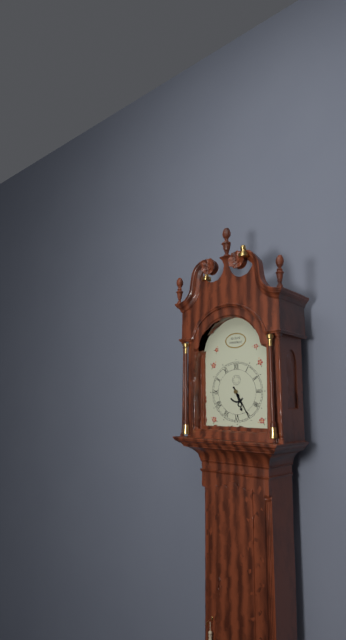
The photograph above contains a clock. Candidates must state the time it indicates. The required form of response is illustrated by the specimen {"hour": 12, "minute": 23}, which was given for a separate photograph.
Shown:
{"hour": 5, "minute": 25}
